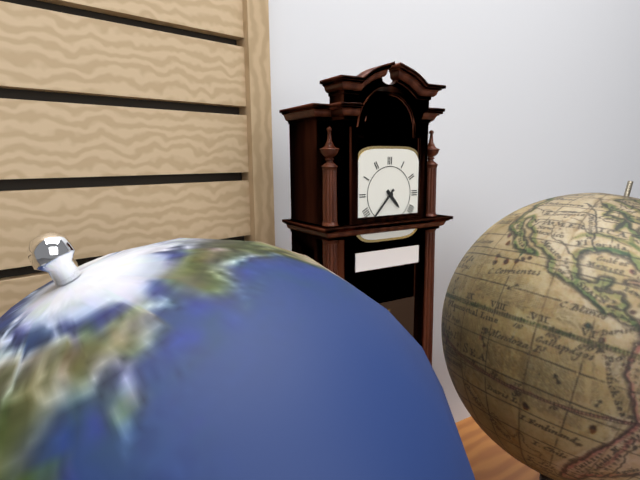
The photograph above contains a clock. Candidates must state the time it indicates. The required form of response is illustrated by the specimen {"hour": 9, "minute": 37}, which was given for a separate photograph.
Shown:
{"hour": 4, "minute": 37}
